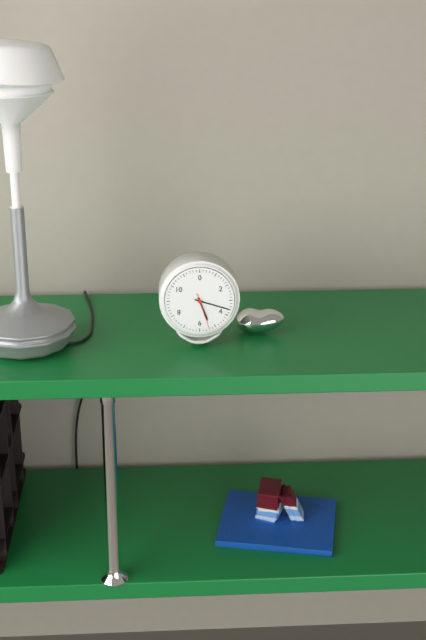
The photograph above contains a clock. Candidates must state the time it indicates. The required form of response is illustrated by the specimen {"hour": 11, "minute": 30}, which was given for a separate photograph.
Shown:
{"hour": 5, "minute": 18}
